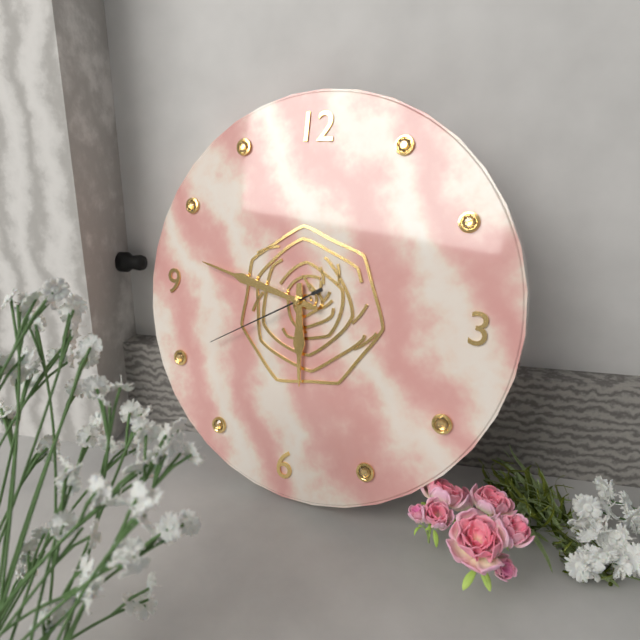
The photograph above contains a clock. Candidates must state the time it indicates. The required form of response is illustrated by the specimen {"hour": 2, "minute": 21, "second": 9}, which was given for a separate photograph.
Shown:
{"hour": 5, "minute": 47, "second": 40}
